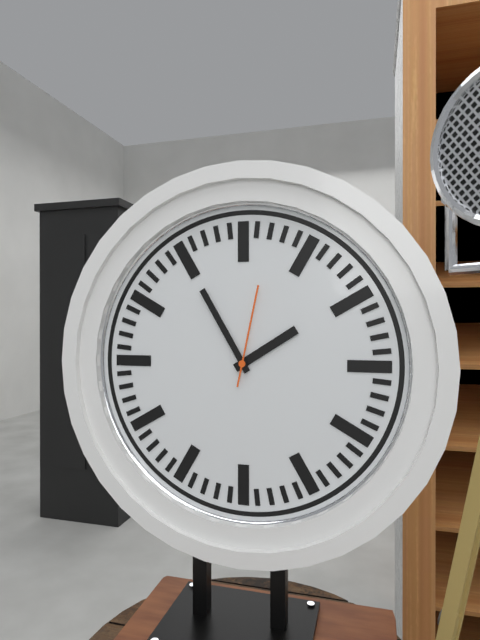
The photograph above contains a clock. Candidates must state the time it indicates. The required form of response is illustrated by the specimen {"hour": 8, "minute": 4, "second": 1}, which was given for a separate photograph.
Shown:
{"hour": 1, "minute": 55, "second": 2}
